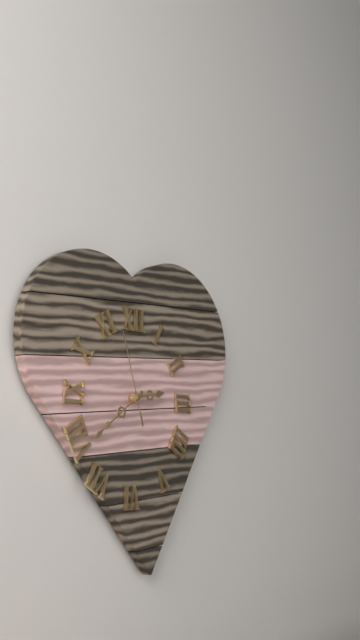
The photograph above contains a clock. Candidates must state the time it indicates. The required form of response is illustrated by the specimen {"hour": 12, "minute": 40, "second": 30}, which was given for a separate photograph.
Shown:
{"hour": 2, "minute": 39, "second": 57}
